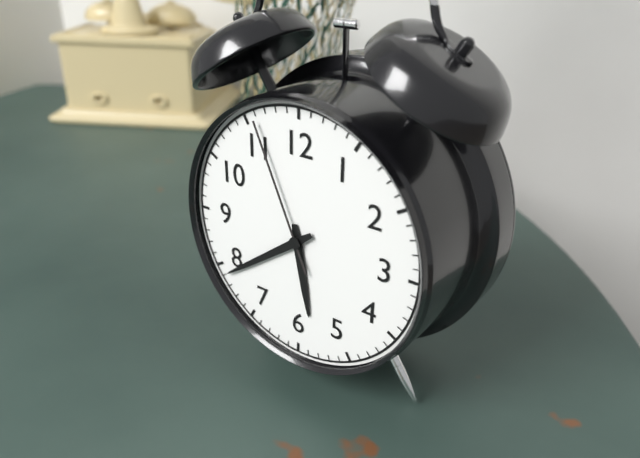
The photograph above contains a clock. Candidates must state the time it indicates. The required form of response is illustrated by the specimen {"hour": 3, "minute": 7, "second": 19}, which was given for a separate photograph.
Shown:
{"hour": 5, "minute": 39, "second": 56}
